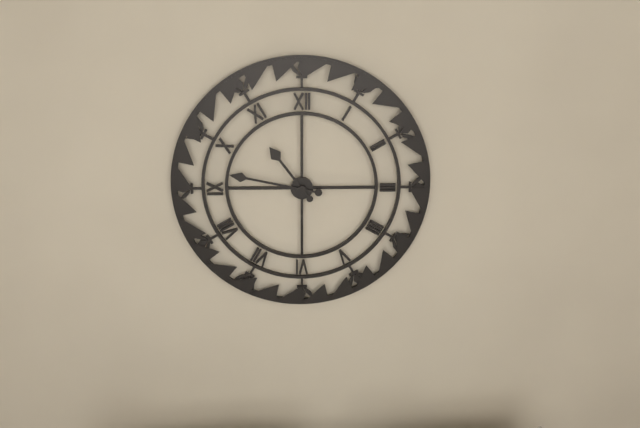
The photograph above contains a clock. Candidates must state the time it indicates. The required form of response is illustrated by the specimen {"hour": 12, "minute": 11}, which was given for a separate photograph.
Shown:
{"hour": 10, "minute": 47}
